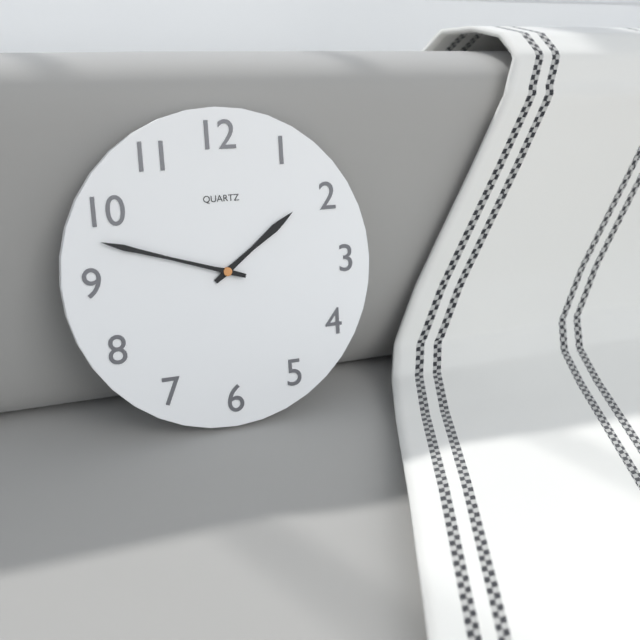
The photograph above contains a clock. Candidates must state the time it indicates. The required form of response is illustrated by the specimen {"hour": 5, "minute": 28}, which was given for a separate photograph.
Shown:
{"hour": 1, "minute": 48}
